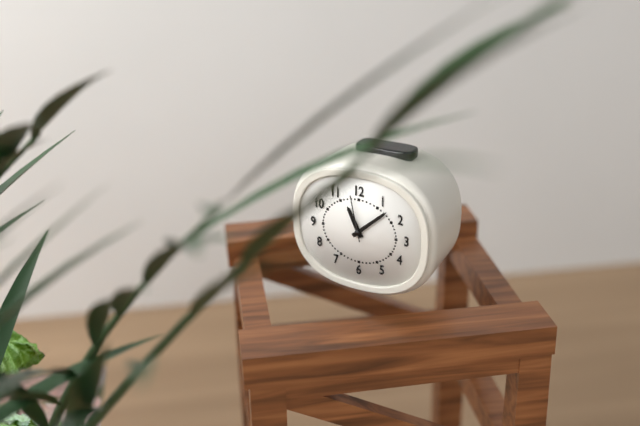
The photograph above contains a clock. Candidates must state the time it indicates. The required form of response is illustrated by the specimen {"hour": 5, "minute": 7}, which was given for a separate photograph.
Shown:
{"hour": 11, "minute": 8}
